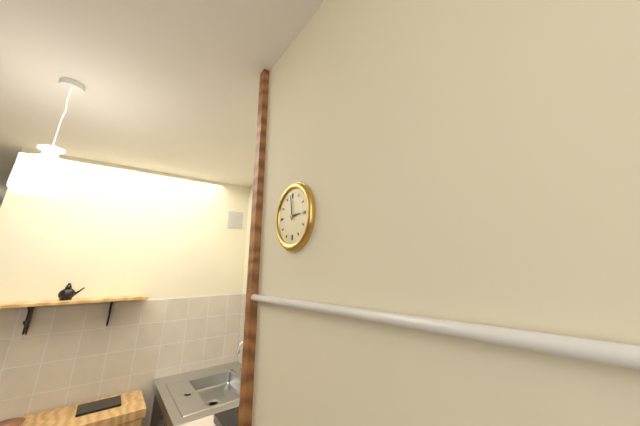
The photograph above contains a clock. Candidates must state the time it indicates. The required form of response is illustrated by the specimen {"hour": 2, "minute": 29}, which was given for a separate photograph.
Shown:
{"hour": 2, "minute": 59}
